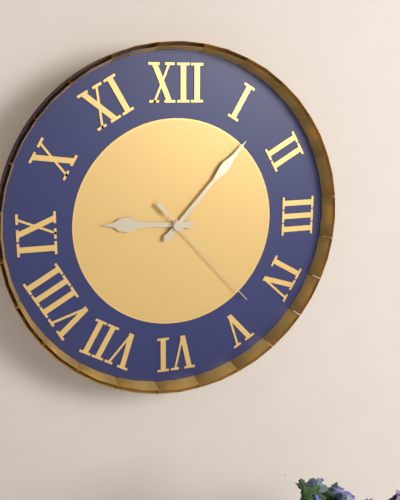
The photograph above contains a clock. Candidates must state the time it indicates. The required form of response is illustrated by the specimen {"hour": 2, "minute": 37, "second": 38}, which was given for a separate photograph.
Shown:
{"hour": 9, "minute": 7, "second": 23}
